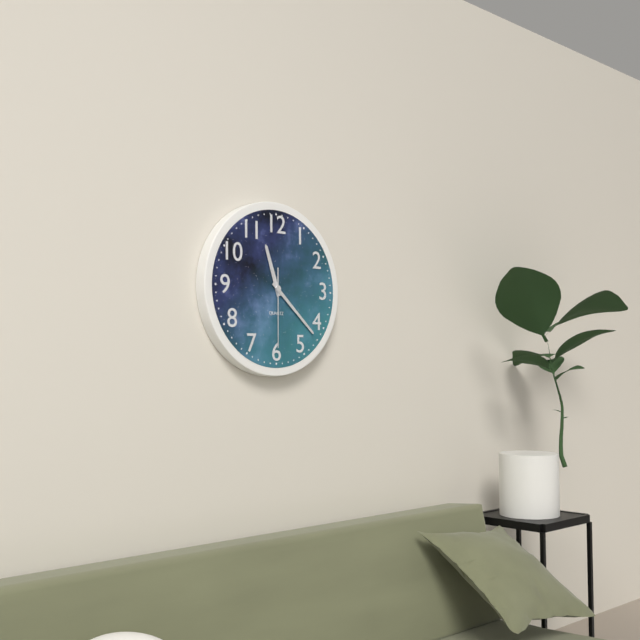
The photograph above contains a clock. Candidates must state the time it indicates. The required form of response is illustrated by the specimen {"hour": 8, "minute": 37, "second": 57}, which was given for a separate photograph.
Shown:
{"hour": 11, "minute": 22, "second": 30}
